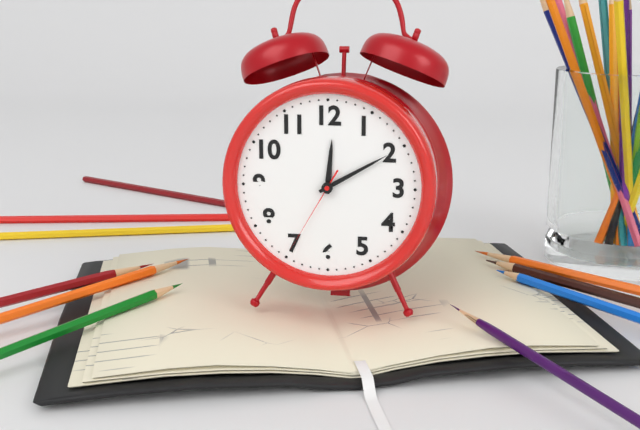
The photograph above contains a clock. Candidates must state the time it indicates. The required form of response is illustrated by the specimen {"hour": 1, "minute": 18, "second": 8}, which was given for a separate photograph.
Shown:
{"hour": 12, "minute": 10, "second": 35}
